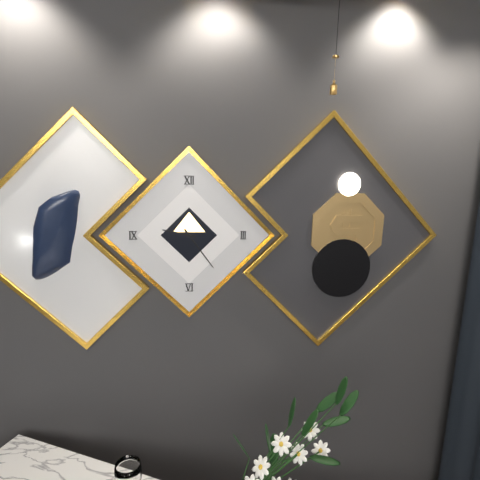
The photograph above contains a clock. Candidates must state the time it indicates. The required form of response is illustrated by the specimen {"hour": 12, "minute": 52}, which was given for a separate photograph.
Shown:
{"hour": 9, "minute": 24}
